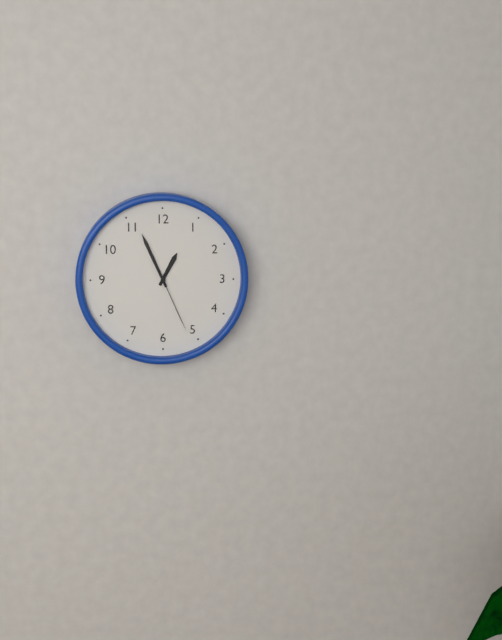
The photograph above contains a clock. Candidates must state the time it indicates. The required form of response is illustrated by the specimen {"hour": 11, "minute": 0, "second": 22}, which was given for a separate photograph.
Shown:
{"hour": 12, "minute": 56, "second": 26}
